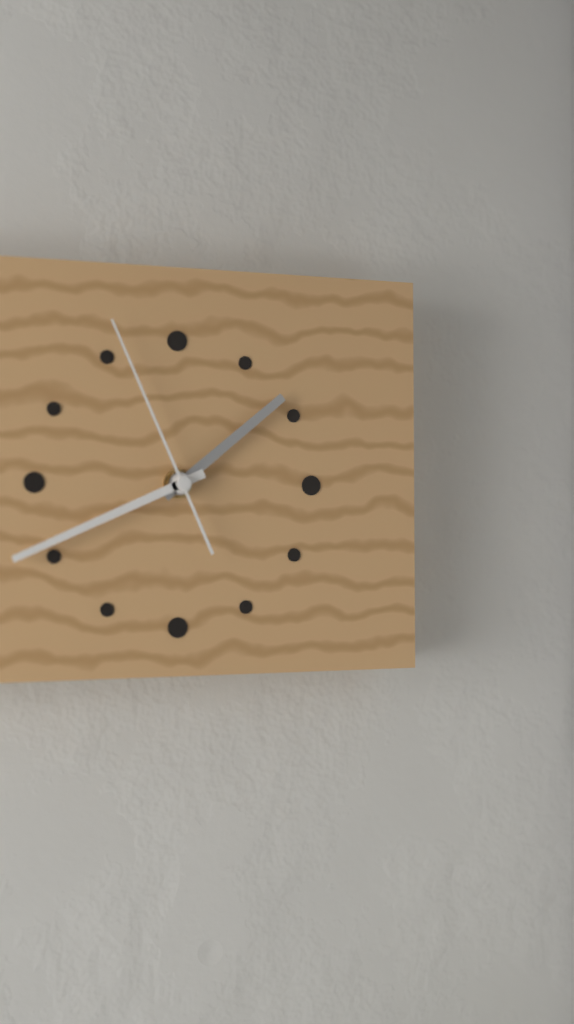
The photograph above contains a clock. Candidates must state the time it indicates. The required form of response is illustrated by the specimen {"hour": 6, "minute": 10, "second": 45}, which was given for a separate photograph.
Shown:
{"hour": 1, "minute": 41, "second": 56}
